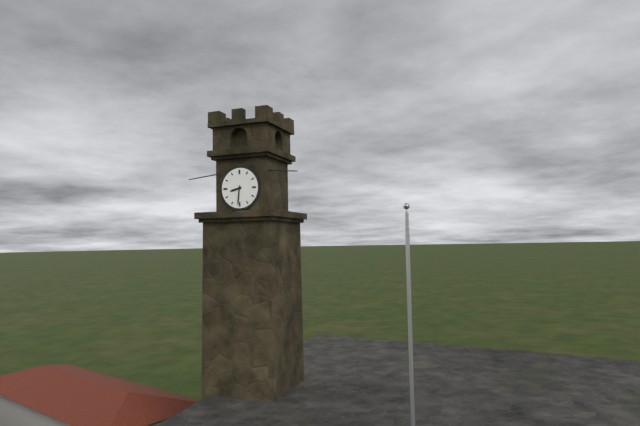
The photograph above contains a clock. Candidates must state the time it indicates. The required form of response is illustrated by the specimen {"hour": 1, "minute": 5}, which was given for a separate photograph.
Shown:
{"hour": 8, "minute": 31}
